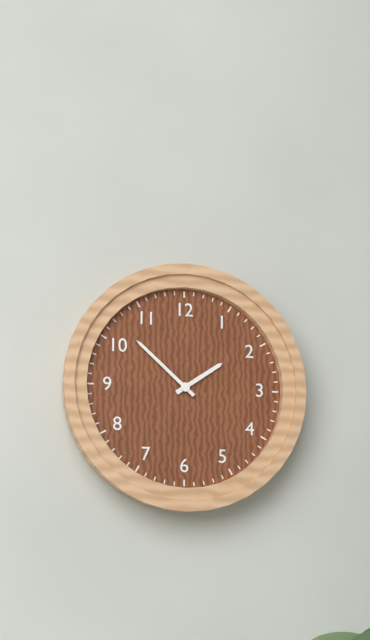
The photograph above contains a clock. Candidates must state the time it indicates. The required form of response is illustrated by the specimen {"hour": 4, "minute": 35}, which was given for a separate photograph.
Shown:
{"hour": 1, "minute": 52}
